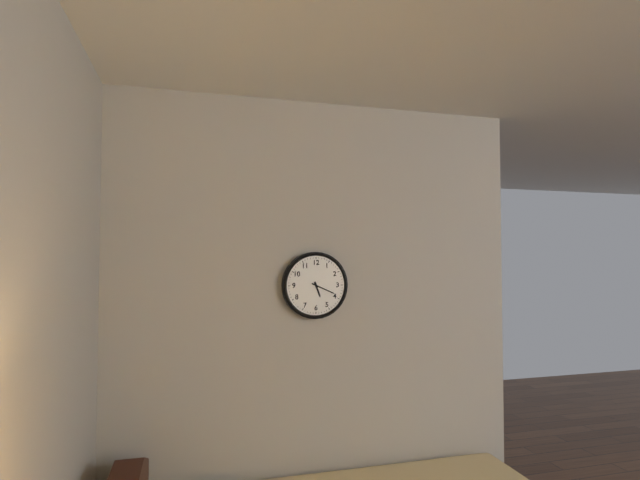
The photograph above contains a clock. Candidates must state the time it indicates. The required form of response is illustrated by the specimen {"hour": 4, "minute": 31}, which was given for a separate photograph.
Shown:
{"hour": 5, "minute": 19}
